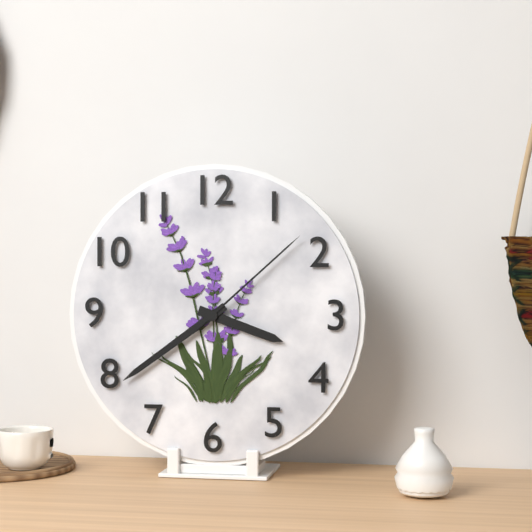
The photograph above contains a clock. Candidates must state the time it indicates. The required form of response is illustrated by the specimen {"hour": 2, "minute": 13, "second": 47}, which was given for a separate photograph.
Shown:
{"hour": 3, "minute": 39, "second": 8}
